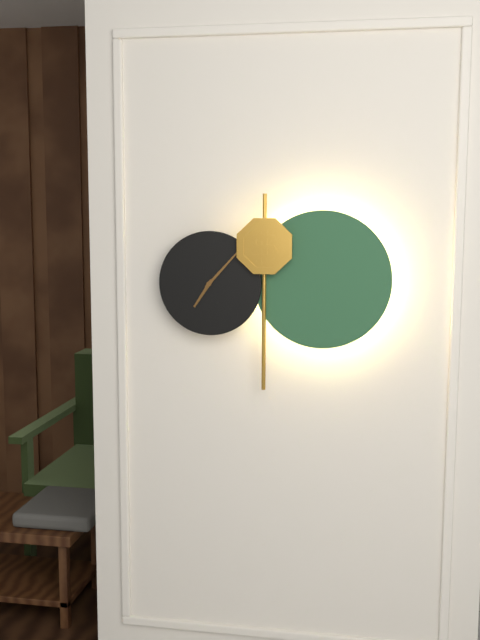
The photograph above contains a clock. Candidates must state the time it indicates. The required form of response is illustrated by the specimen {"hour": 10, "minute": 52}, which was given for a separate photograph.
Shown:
{"hour": 7, "minute": 7}
